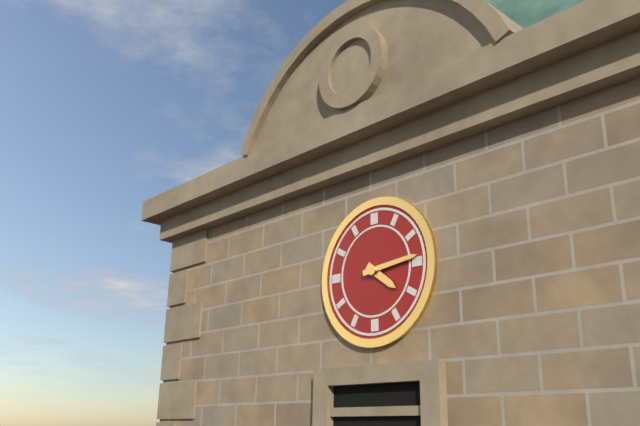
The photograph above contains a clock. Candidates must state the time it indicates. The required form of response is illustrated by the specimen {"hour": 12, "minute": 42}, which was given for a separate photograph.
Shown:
{"hour": 4, "minute": 14}
